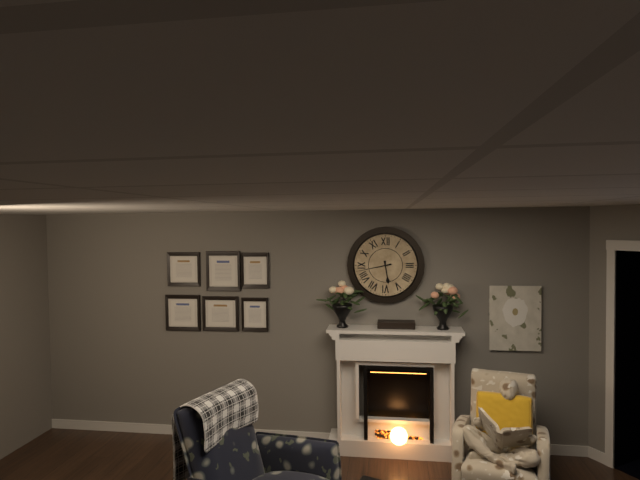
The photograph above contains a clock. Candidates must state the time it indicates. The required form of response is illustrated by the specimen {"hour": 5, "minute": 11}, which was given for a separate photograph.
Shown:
{"hour": 5, "minute": 43}
